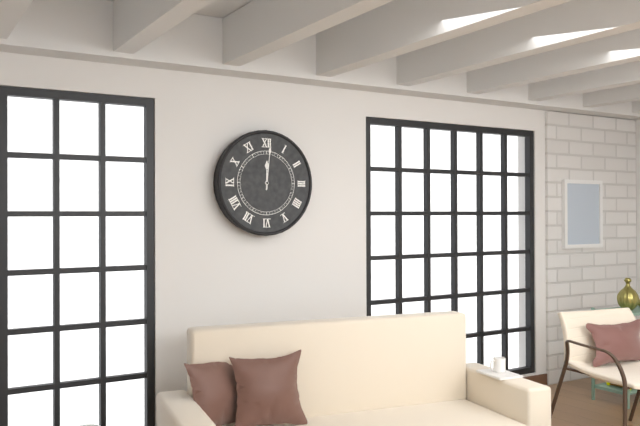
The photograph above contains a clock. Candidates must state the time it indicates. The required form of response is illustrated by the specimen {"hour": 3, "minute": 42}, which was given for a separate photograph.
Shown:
{"hour": 12, "minute": 1}
